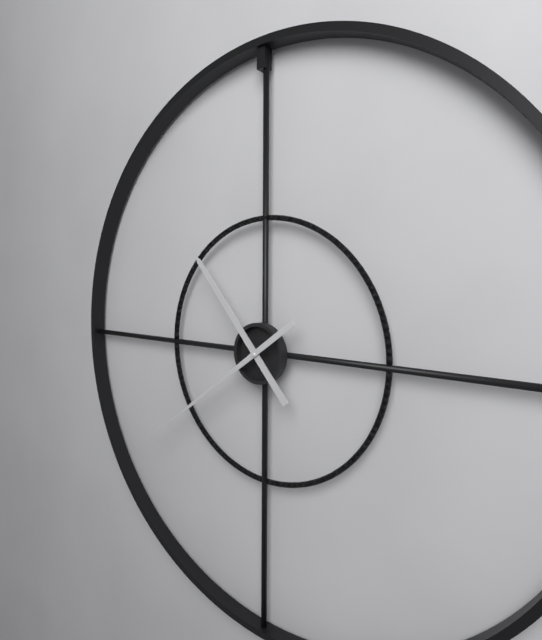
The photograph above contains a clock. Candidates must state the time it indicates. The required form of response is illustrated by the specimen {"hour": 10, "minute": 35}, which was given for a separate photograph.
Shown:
{"hour": 10, "minute": 39}
